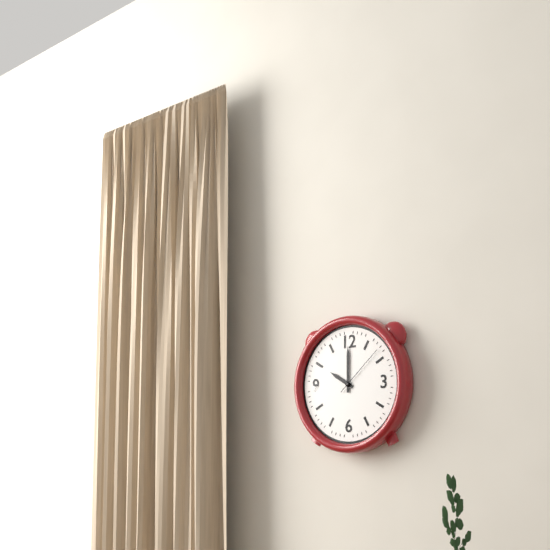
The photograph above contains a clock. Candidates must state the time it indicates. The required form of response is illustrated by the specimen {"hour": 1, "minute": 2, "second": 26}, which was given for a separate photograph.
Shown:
{"hour": 10, "minute": 0, "second": 8}
